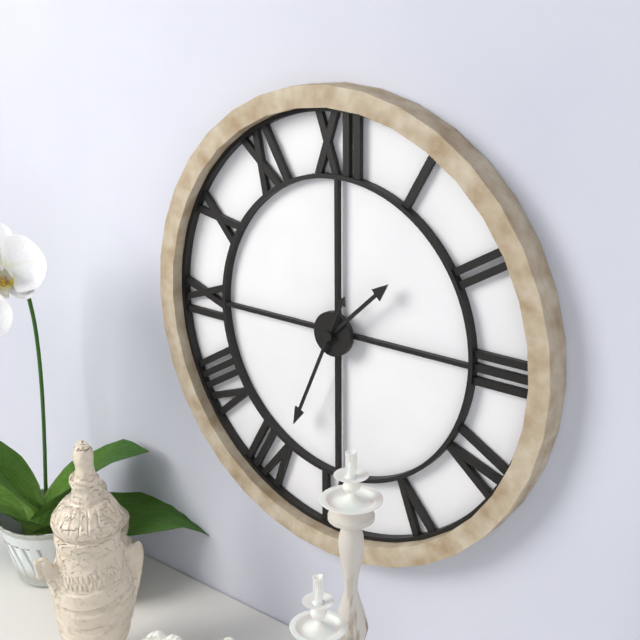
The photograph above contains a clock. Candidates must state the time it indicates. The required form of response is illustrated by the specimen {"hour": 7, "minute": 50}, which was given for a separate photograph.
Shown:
{"hour": 1, "minute": 34}
